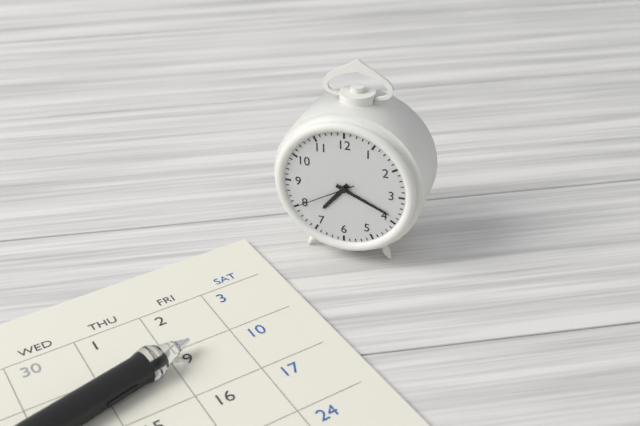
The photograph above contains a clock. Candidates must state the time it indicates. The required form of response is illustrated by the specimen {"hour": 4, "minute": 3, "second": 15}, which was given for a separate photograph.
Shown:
{"hour": 7, "minute": 19, "second": 40}
